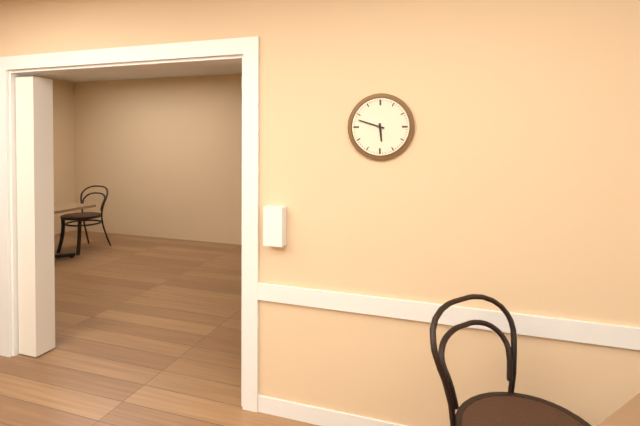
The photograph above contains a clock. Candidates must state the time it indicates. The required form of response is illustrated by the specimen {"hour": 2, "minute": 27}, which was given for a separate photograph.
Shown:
{"hour": 5, "minute": 48}
